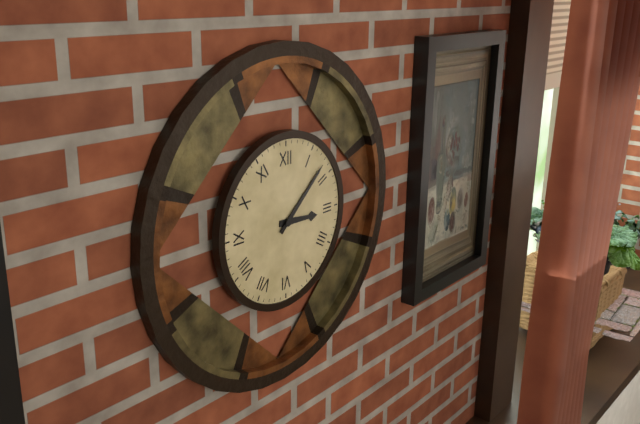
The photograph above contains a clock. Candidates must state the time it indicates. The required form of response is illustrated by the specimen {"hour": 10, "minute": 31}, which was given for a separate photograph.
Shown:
{"hour": 3, "minute": 8}
